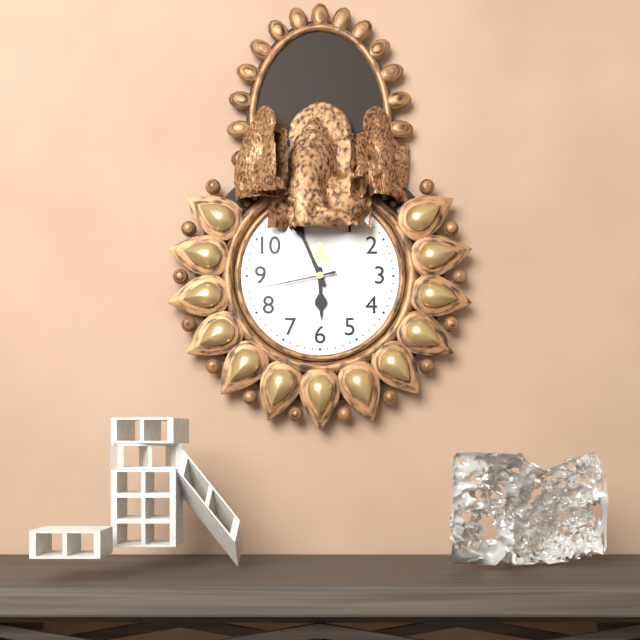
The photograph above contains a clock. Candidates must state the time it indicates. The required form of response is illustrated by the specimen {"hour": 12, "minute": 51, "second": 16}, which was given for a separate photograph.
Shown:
{"hour": 5, "minute": 56, "second": 43}
